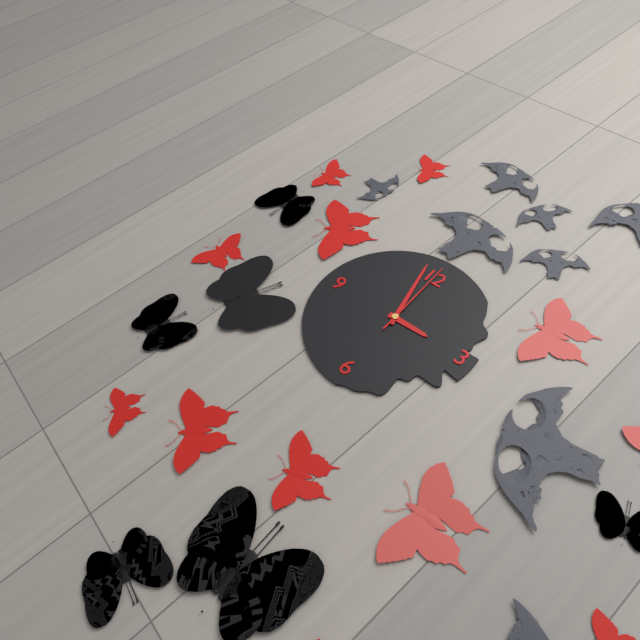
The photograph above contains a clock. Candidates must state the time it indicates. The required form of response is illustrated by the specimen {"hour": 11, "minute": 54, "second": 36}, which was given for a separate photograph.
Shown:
{"hour": 2, "minute": 58, "second": 0}
